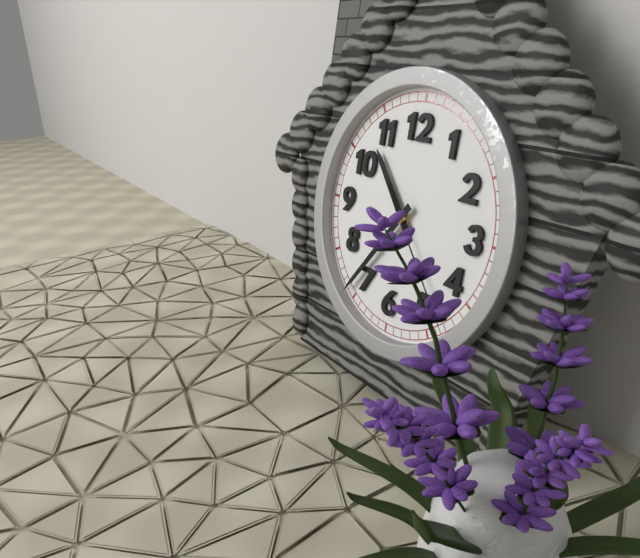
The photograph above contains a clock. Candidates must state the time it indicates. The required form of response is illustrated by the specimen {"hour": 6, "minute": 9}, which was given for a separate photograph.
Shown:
{"hour": 10, "minute": 36}
